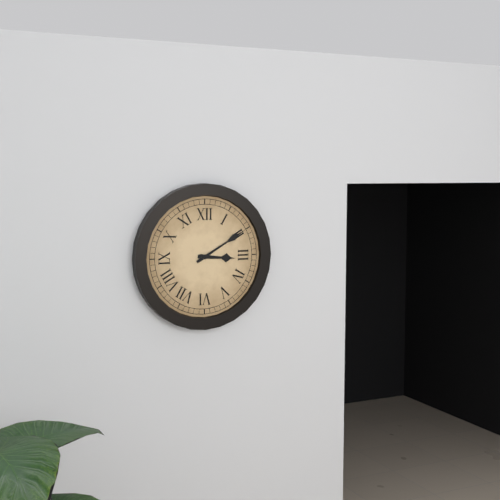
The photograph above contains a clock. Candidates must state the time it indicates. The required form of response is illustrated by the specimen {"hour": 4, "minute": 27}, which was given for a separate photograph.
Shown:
{"hour": 3, "minute": 10}
